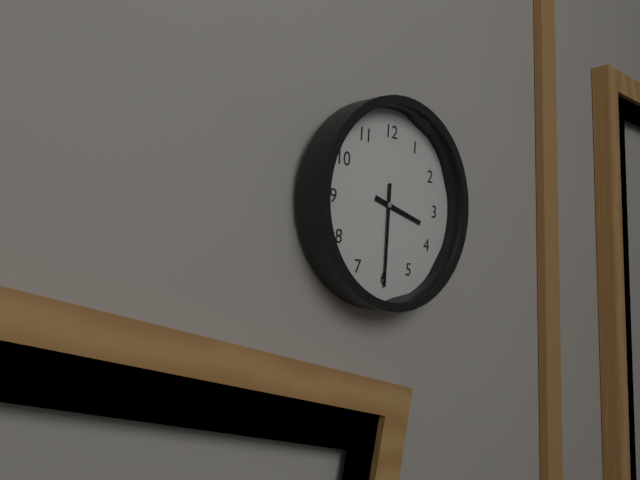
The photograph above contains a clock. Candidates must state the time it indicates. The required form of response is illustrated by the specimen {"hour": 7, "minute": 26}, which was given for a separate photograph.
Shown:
{"hour": 3, "minute": 30}
